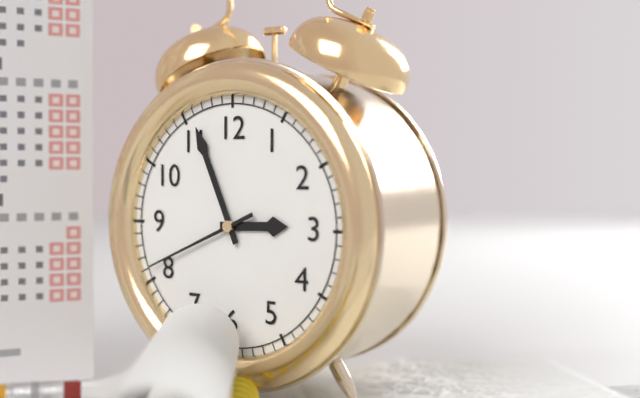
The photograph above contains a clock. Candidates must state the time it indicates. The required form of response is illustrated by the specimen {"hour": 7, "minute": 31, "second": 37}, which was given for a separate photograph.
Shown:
{"hour": 2, "minute": 56, "second": 41}
